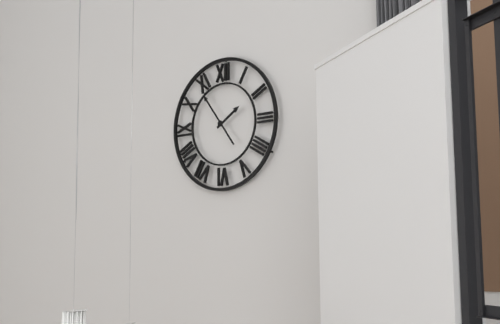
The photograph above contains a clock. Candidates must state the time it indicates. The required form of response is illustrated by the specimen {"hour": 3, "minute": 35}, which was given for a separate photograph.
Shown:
{"hour": 1, "minute": 54}
